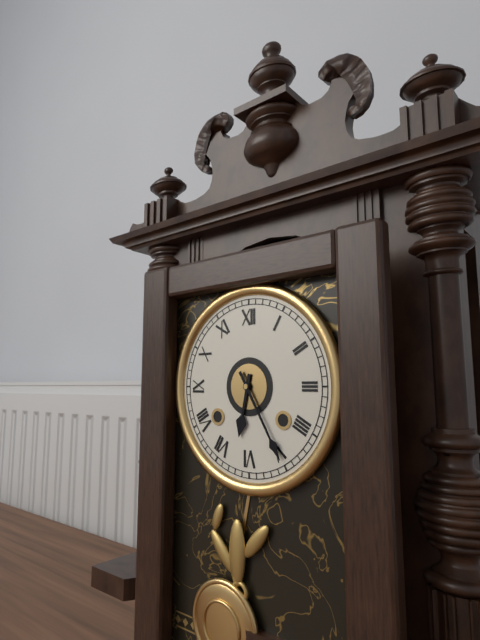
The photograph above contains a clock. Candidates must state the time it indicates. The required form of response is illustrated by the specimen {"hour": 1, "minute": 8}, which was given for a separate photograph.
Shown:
{"hour": 6, "minute": 25}
